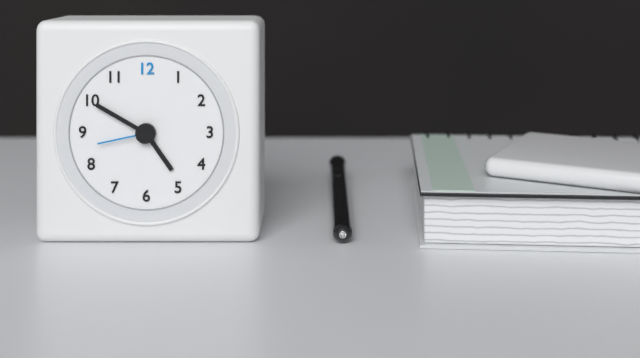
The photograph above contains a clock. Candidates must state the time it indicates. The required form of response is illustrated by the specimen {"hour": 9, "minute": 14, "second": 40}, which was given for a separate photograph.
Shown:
{"hour": 4, "minute": 50, "second": 43}
